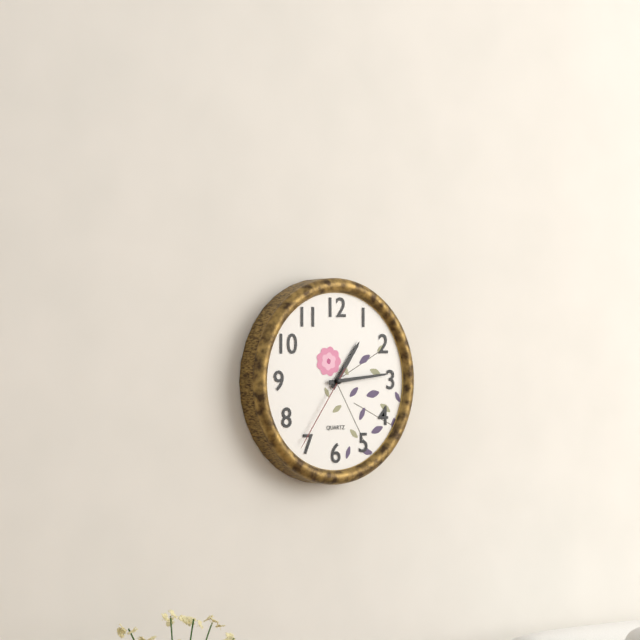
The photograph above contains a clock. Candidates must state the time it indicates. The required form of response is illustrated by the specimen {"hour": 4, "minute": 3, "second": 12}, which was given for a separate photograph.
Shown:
{"hour": 1, "minute": 14, "second": 36}
